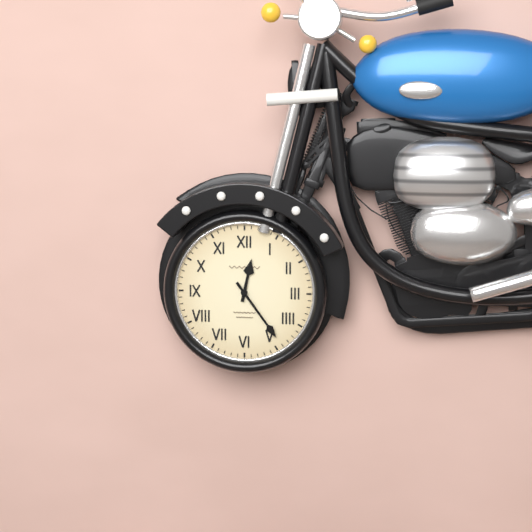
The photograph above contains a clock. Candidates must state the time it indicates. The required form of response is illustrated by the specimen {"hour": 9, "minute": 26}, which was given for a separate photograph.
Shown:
{"hour": 12, "minute": 24}
